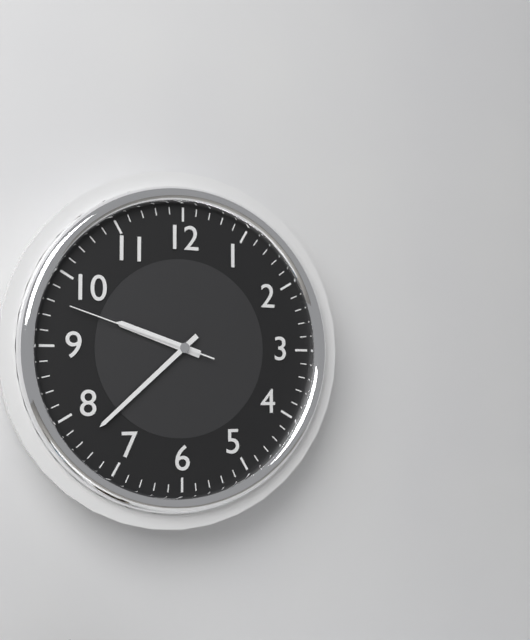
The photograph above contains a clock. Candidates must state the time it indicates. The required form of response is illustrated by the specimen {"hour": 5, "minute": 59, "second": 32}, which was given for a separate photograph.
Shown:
{"hour": 9, "minute": 38, "second": 48}
